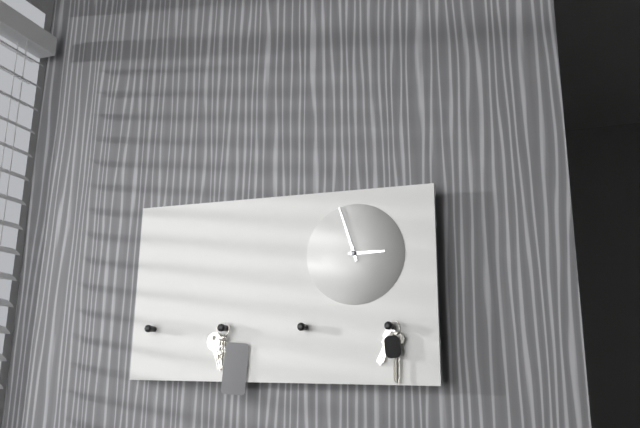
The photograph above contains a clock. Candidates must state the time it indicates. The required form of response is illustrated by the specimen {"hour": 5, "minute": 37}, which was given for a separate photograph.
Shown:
{"hour": 2, "minute": 57}
